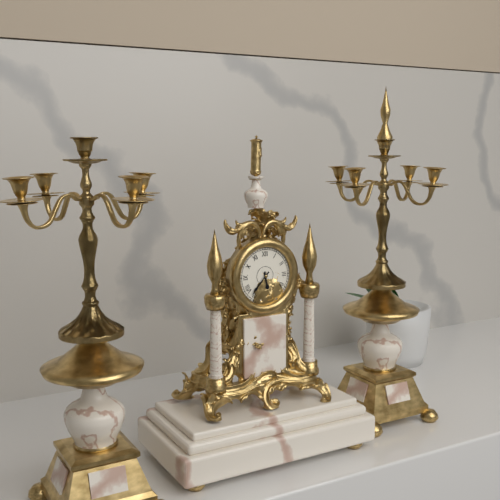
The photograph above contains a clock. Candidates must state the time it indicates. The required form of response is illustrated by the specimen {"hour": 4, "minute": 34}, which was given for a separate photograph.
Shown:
{"hour": 5, "minute": 37}
